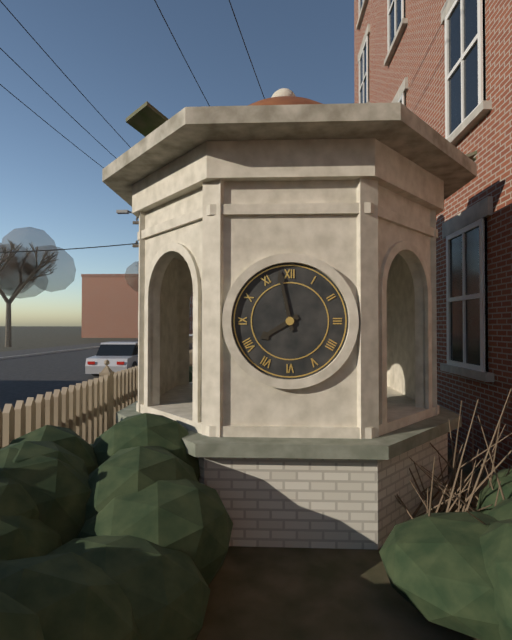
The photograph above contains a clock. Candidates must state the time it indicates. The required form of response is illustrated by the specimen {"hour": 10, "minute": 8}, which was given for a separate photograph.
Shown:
{"hour": 7, "minute": 58}
